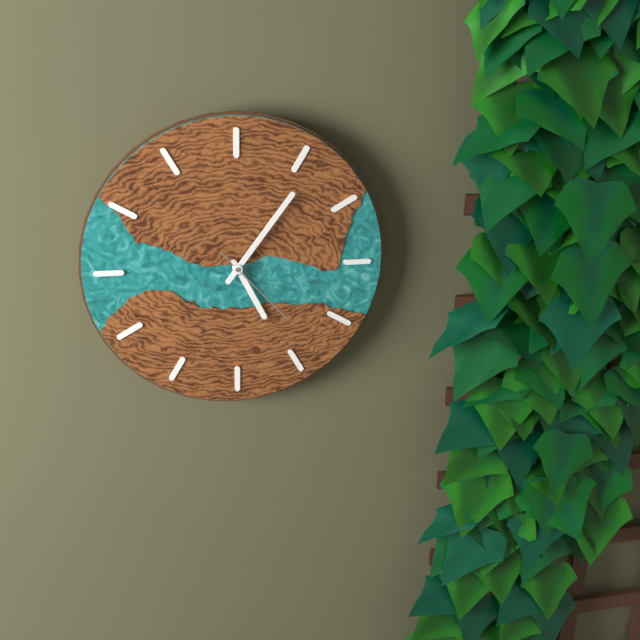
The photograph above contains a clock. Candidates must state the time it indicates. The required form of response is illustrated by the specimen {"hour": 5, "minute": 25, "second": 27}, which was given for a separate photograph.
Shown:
{"hour": 5, "minute": 6, "second": 23}
